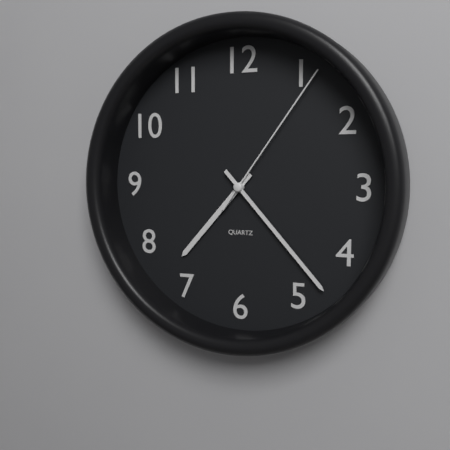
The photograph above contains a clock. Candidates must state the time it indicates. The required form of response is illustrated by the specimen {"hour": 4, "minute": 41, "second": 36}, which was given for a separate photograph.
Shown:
{"hour": 7, "minute": 23, "second": 6}
